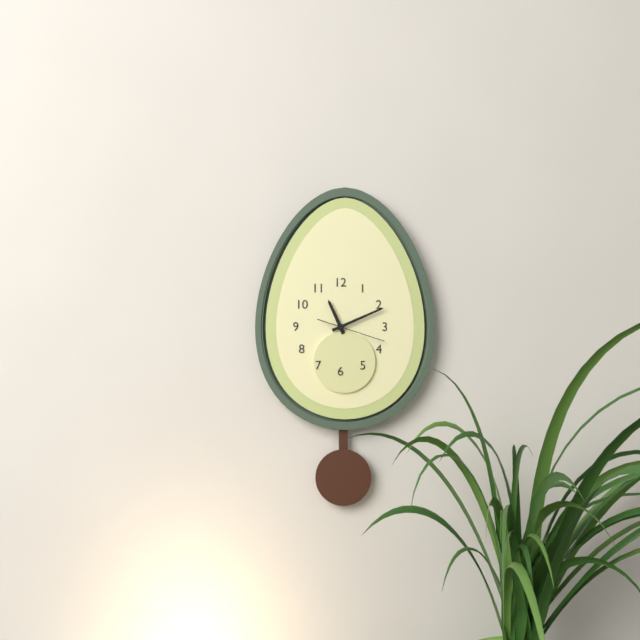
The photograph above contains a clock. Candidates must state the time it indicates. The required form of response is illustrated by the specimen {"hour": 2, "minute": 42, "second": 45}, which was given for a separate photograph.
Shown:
{"hour": 11, "minute": 11, "second": 18}
